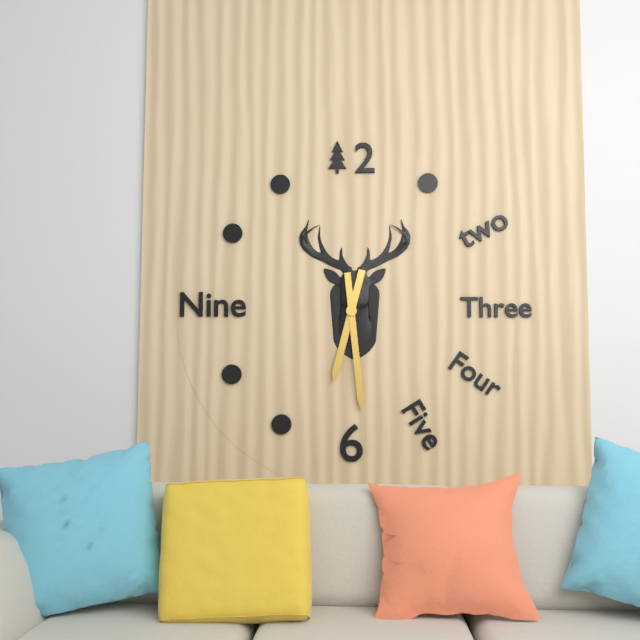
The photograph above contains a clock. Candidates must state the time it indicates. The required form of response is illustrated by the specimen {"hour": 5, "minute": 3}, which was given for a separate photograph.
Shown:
{"hour": 6, "minute": 29}
